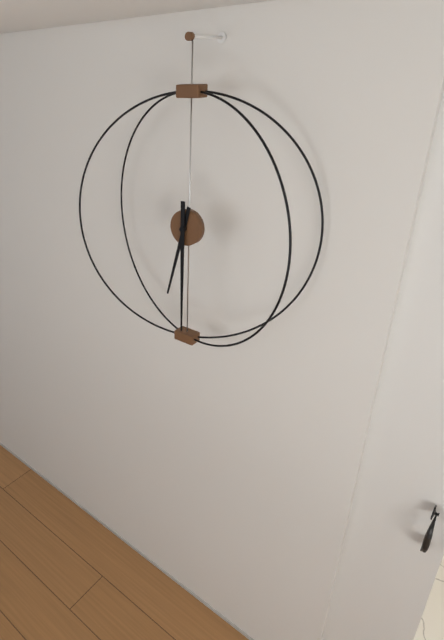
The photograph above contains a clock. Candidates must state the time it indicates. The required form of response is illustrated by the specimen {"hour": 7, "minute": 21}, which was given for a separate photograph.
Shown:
{"hour": 6, "minute": 30}
